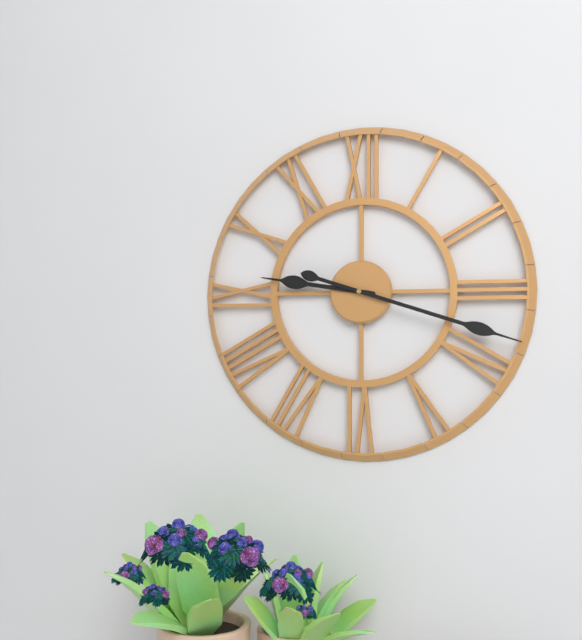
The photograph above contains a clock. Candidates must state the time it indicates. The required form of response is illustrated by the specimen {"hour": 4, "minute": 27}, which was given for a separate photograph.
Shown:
{"hour": 9, "minute": 18}
